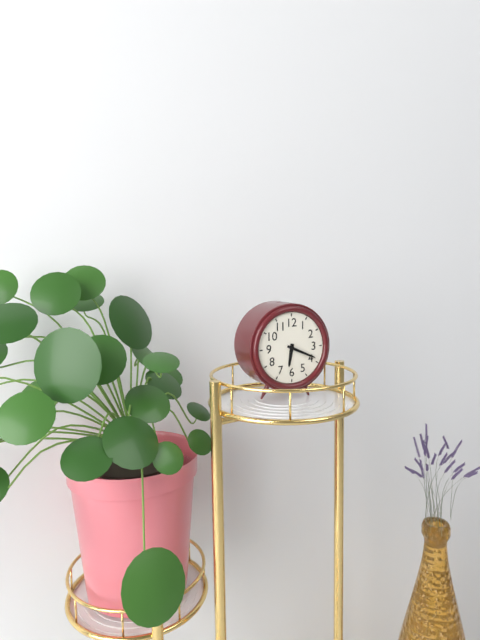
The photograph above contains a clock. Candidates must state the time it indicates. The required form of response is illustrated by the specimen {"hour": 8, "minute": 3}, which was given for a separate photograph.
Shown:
{"hour": 6, "minute": 19}
